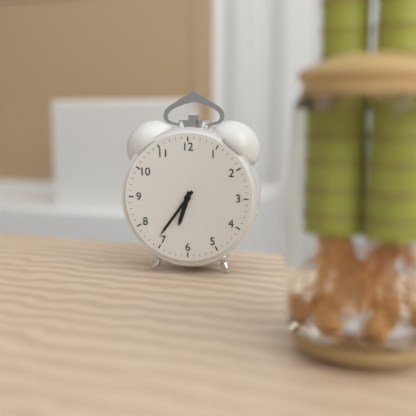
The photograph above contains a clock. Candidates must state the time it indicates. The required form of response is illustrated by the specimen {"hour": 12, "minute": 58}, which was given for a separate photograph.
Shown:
{"hour": 6, "minute": 36}
